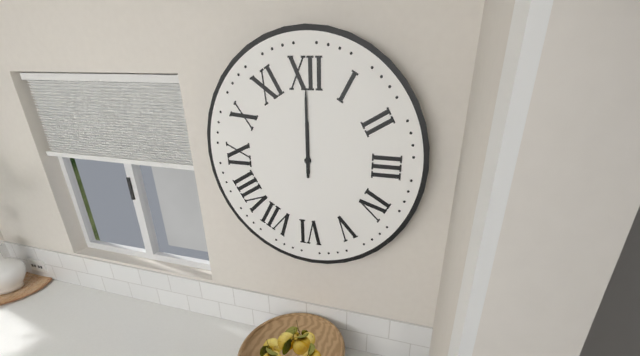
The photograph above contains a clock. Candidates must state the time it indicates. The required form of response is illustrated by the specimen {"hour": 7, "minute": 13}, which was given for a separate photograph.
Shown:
{"hour": 12, "minute": 0}
